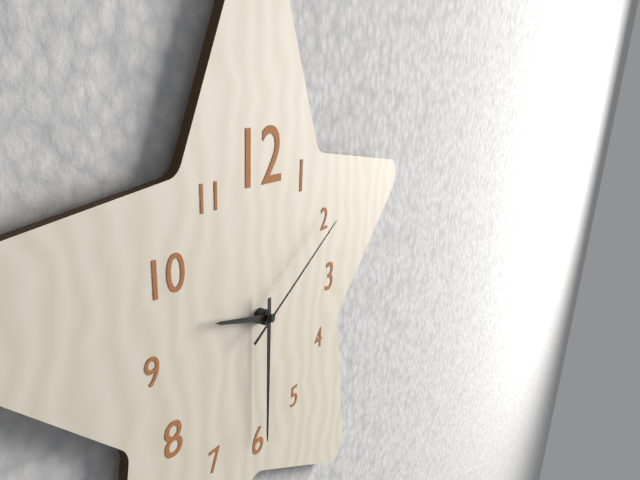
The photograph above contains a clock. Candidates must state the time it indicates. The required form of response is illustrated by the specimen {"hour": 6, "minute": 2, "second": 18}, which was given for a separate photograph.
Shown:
{"hour": 9, "minute": 30, "second": 10}
